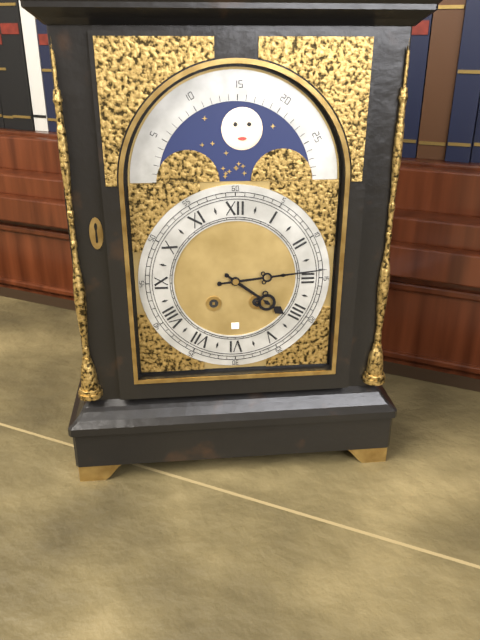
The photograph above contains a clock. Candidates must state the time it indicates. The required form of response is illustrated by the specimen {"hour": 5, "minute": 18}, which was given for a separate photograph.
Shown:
{"hour": 4, "minute": 14}
